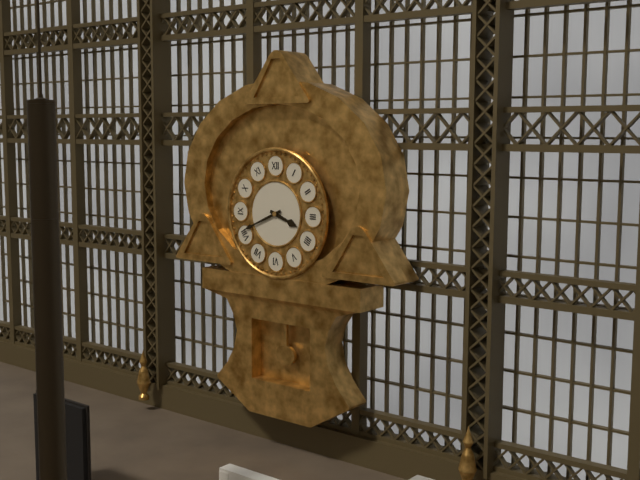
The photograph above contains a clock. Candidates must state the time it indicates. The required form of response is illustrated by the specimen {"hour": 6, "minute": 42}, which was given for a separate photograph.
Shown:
{"hour": 3, "minute": 41}
